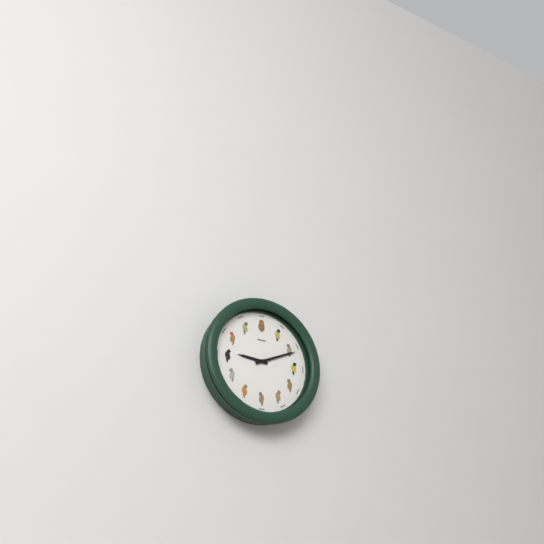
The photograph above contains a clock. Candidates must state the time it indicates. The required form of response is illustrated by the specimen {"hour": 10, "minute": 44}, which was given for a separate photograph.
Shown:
{"hour": 9, "minute": 11}
